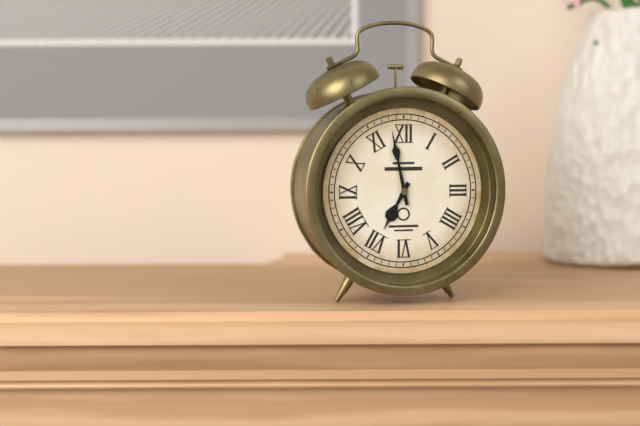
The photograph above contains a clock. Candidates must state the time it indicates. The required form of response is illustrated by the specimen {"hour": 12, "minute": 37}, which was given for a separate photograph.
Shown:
{"hour": 6, "minute": 58}
